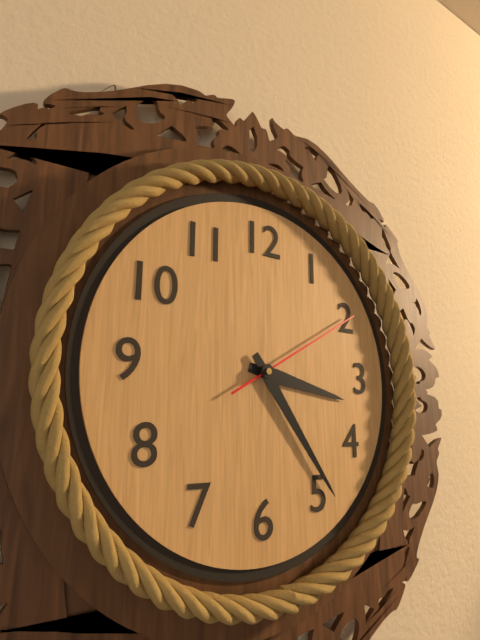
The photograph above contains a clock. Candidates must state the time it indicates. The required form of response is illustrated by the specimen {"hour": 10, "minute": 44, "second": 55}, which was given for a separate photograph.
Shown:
{"hour": 3, "minute": 24, "second": 10}
